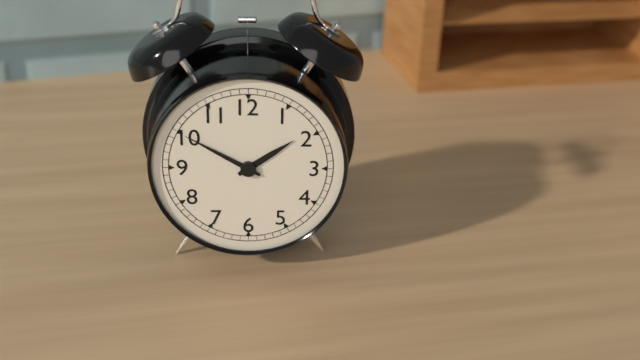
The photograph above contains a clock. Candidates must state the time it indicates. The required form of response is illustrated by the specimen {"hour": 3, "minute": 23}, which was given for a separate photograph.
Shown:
{"hour": 1, "minute": 50}
